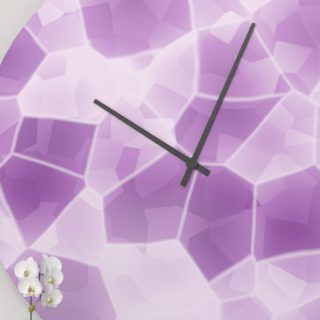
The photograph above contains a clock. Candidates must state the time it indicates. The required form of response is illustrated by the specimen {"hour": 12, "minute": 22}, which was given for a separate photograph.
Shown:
{"hour": 10, "minute": 4}
